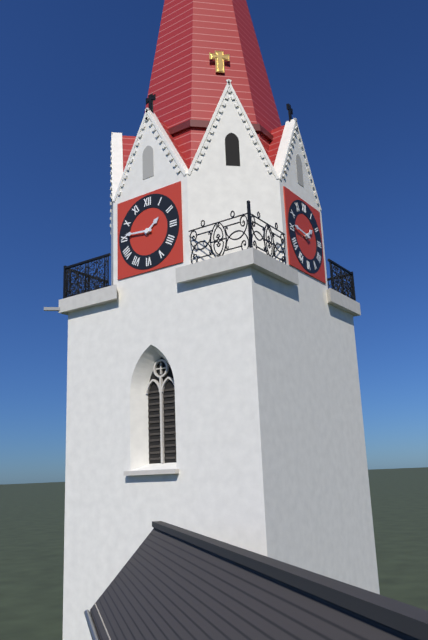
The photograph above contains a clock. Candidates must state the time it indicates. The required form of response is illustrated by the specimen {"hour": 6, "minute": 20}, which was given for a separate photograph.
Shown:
{"hour": 1, "minute": 46}
